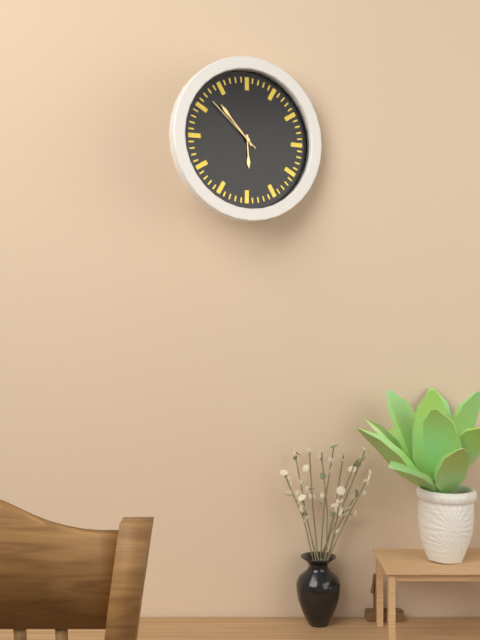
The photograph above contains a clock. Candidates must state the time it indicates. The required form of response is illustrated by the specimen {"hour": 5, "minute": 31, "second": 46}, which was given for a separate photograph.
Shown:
{"hour": 5, "minute": 53, "second": 52}
